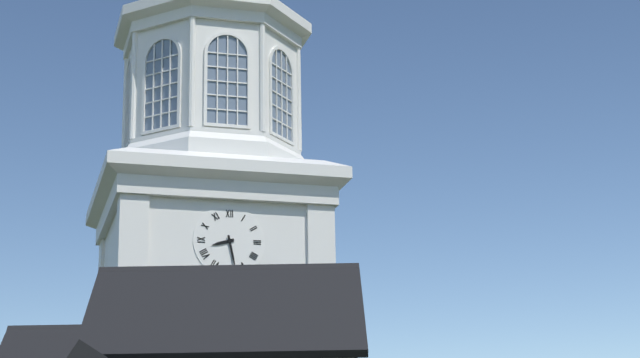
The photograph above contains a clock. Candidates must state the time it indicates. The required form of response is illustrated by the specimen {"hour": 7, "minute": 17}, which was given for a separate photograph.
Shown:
{"hour": 8, "minute": 28}
